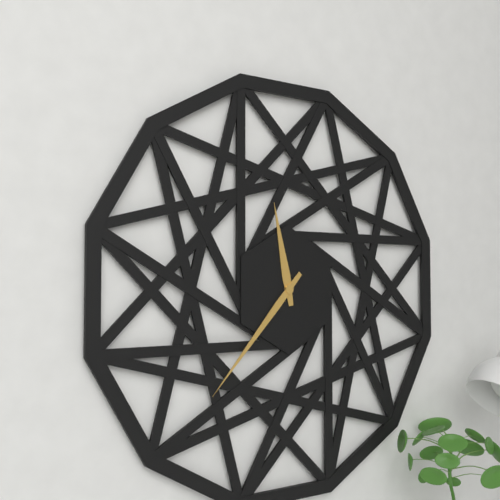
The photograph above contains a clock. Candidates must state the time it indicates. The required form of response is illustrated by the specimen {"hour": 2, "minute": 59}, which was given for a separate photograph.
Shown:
{"hour": 11, "minute": 37}
